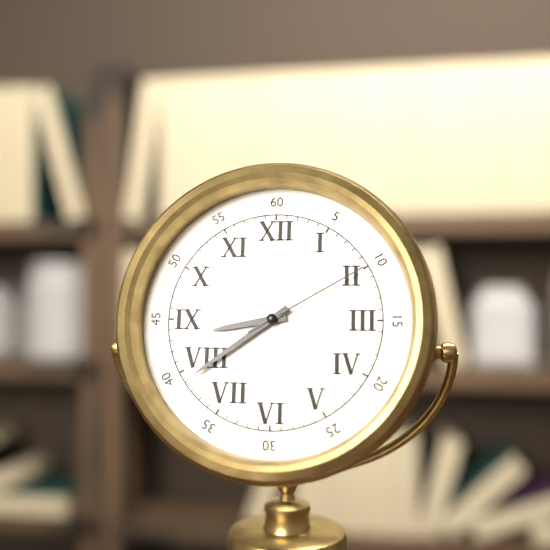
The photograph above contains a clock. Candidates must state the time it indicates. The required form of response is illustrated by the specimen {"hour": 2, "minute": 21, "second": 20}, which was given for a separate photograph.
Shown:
{"hour": 8, "minute": 39, "second": 10}
